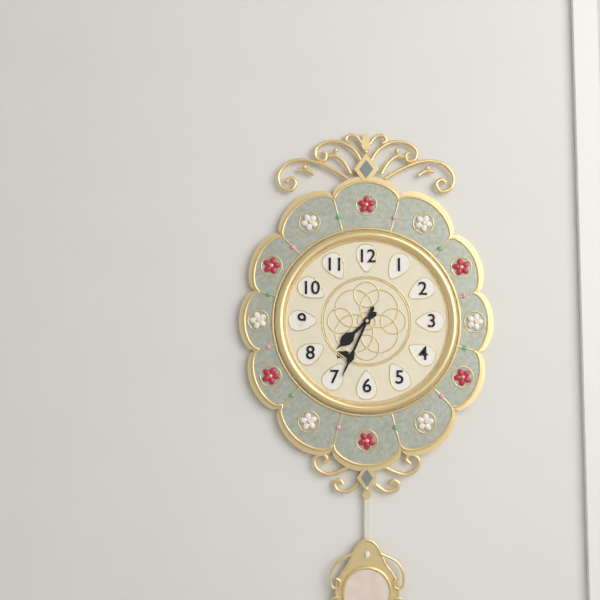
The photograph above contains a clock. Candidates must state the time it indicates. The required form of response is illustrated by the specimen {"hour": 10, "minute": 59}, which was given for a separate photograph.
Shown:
{"hour": 7, "minute": 34}
